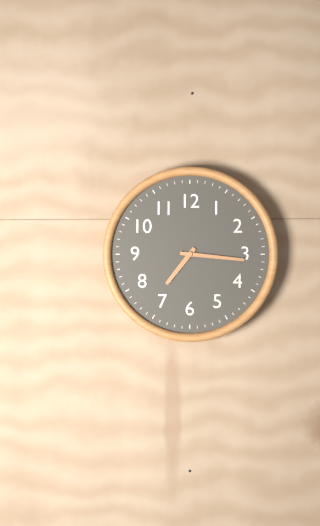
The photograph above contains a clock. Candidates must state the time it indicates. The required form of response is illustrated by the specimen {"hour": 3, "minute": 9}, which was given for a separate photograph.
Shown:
{"hour": 7, "minute": 16}
